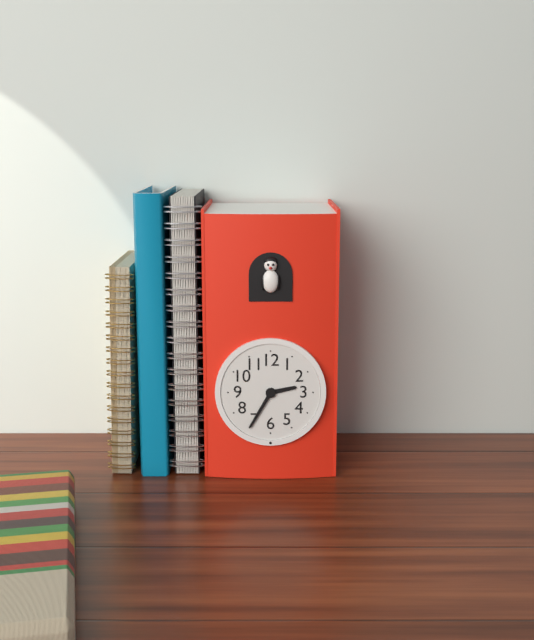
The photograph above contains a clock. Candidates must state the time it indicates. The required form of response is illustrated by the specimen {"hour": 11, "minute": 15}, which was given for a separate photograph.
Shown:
{"hour": 2, "minute": 35}
